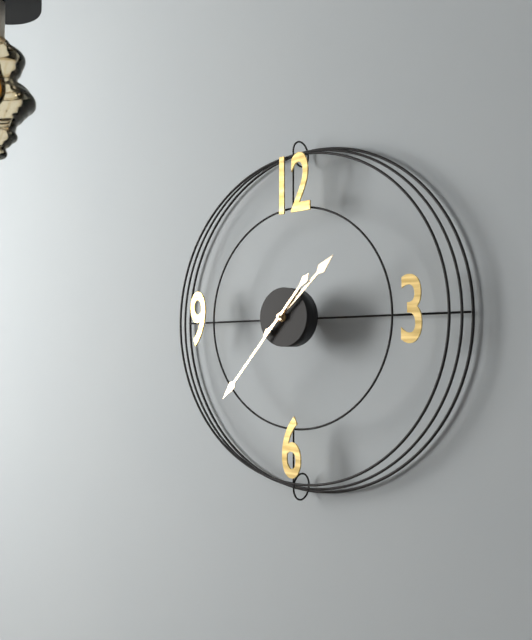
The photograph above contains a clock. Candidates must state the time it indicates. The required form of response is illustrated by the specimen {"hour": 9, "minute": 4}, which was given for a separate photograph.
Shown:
{"hour": 1, "minute": 37}
